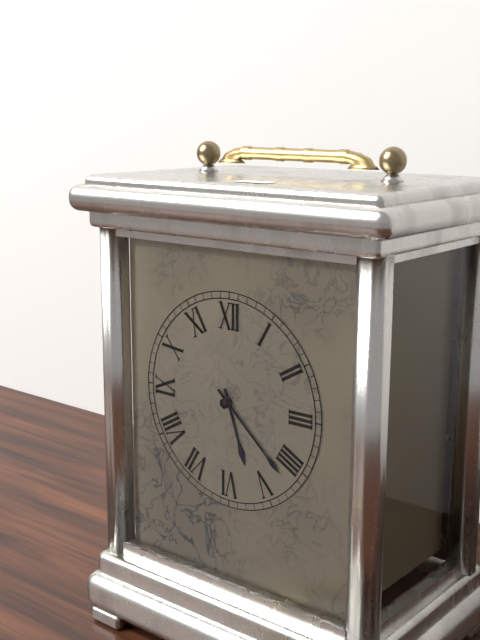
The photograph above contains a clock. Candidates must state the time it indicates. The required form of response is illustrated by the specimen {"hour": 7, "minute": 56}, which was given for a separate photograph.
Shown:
{"hour": 5, "minute": 22}
